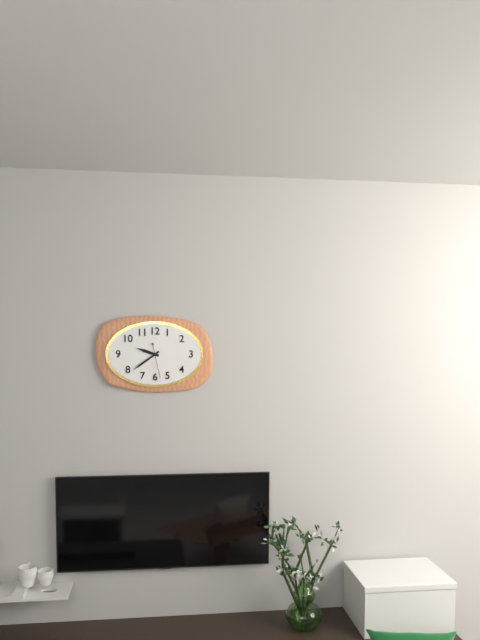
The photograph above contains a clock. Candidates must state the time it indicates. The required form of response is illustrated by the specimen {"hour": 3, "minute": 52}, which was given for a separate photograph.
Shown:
{"hour": 9, "minute": 39}
